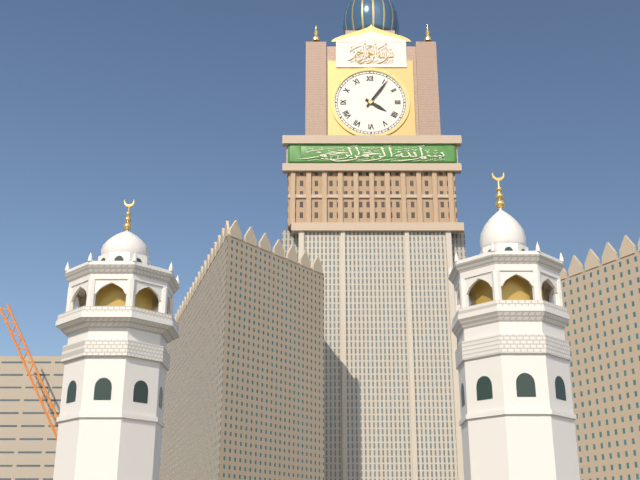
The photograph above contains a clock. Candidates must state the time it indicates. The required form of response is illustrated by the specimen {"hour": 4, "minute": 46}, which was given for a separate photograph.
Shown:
{"hour": 4, "minute": 6}
